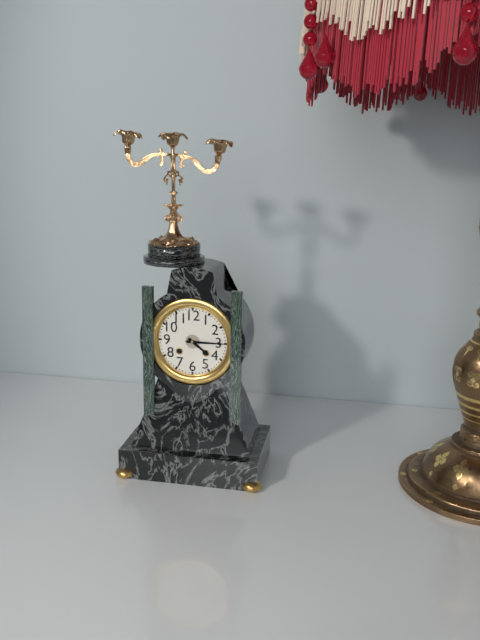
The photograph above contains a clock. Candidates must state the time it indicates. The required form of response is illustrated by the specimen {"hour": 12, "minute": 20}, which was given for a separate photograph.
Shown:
{"hour": 4, "minute": 15}
